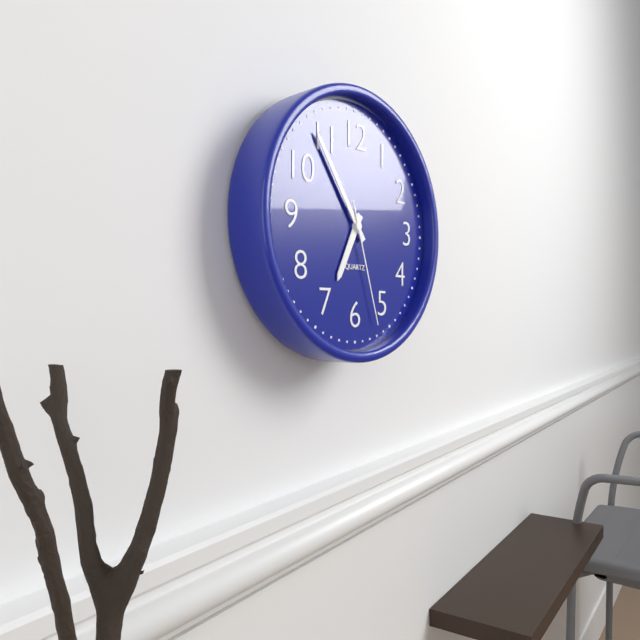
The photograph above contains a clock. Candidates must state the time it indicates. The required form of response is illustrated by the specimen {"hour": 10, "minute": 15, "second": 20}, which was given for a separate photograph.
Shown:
{"hour": 6, "minute": 54, "second": 27}
